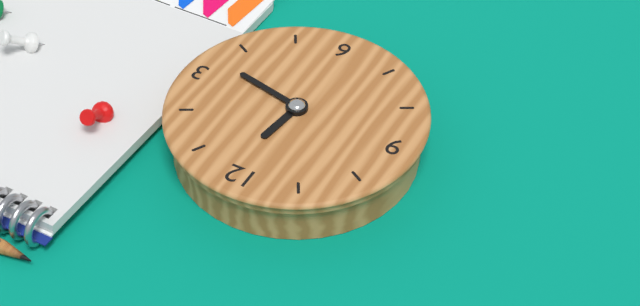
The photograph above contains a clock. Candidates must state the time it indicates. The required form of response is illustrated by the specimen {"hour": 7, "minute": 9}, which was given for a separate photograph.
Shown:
{"hour": 12, "minute": 17}
